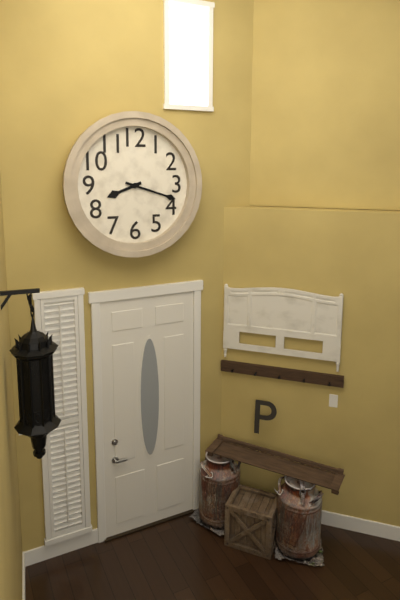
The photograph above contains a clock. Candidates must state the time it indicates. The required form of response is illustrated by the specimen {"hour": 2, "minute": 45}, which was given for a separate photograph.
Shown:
{"hour": 8, "minute": 18}
